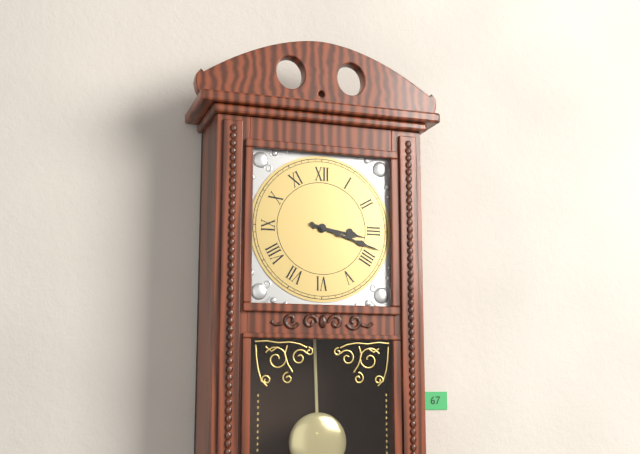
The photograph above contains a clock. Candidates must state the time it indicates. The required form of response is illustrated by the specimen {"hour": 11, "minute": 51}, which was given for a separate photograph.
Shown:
{"hour": 3, "minute": 18}
